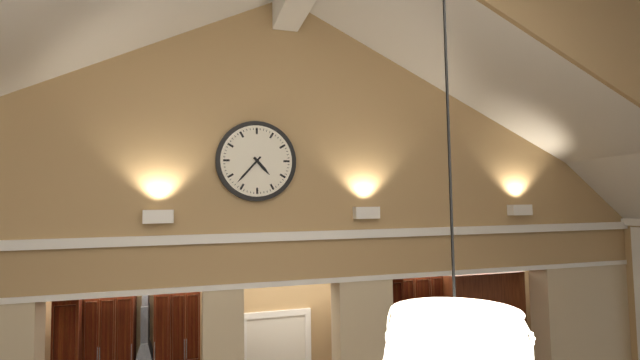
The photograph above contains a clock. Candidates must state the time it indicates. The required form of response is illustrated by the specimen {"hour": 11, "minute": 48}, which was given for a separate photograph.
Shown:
{"hour": 4, "minute": 37}
